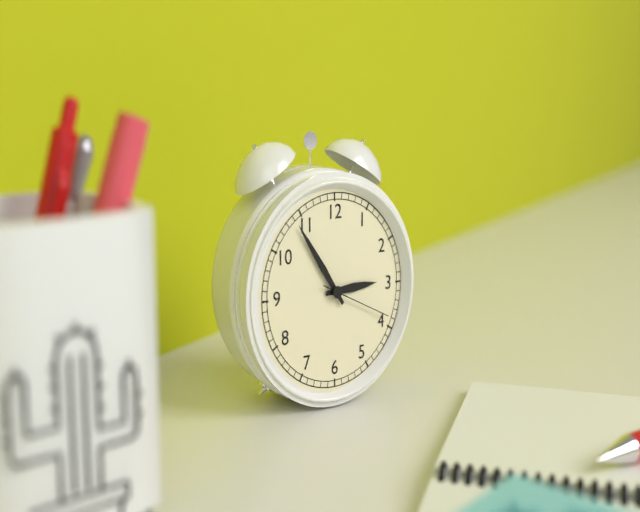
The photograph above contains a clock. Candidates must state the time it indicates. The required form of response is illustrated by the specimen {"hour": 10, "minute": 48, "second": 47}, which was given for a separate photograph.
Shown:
{"hour": 2, "minute": 54, "second": 19}
